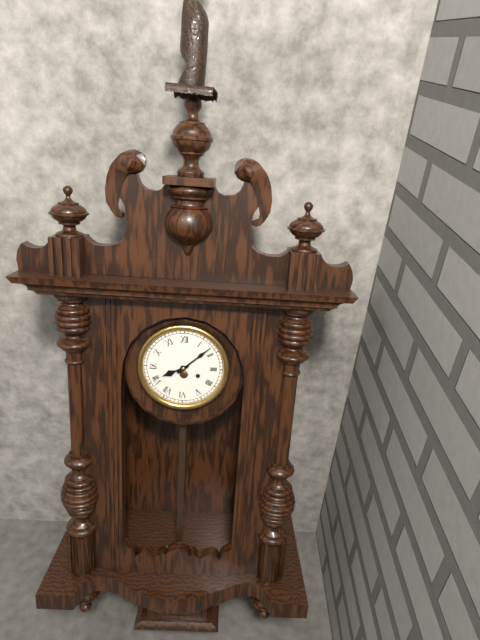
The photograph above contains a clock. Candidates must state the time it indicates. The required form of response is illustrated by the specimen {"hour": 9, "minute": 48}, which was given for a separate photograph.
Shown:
{"hour": 8, "minute": 8}
